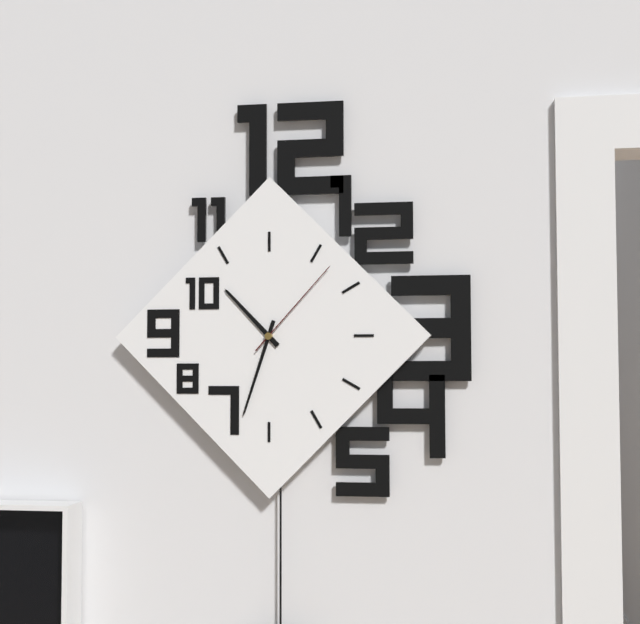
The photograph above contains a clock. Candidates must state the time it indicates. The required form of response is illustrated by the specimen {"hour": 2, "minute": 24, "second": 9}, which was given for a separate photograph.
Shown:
{"hour": 10, "minute": 33, "second": 7}
